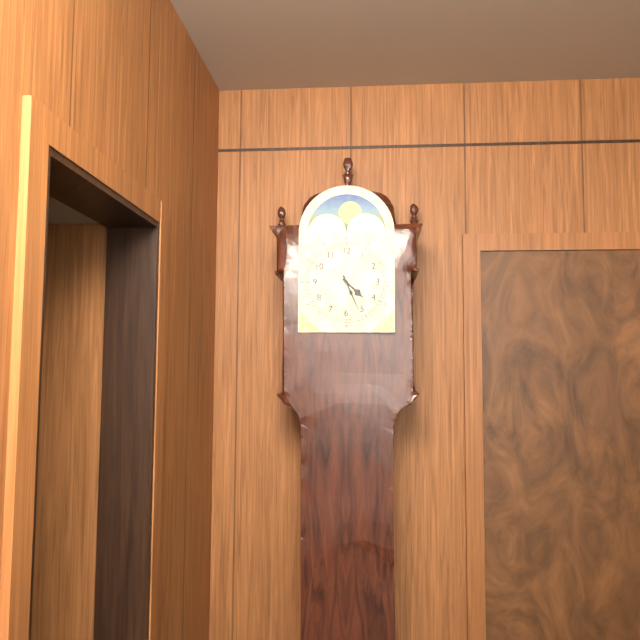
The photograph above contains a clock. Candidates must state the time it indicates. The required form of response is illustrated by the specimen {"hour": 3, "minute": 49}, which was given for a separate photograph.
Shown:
{"hour": 4, "minute": 26}
